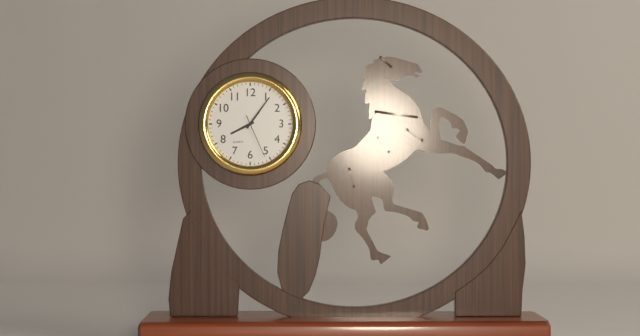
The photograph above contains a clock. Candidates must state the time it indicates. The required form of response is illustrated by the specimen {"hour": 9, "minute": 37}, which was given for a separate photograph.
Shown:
{"hour": 8, "minute": 6}
